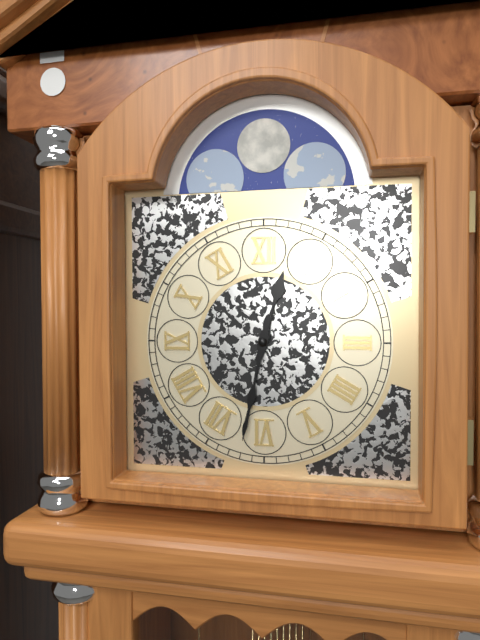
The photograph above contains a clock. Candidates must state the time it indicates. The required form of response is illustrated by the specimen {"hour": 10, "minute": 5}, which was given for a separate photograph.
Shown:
{"hour": 12, "minute": 32}
